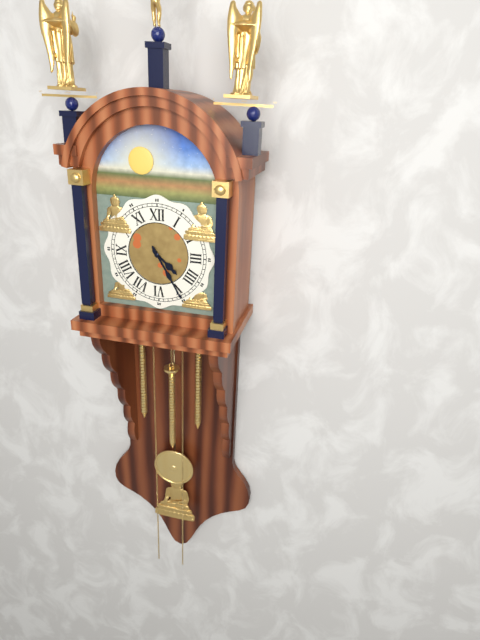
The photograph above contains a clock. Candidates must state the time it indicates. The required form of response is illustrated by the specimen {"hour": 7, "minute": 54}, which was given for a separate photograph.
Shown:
{"hour": 4, "minute": 25}
